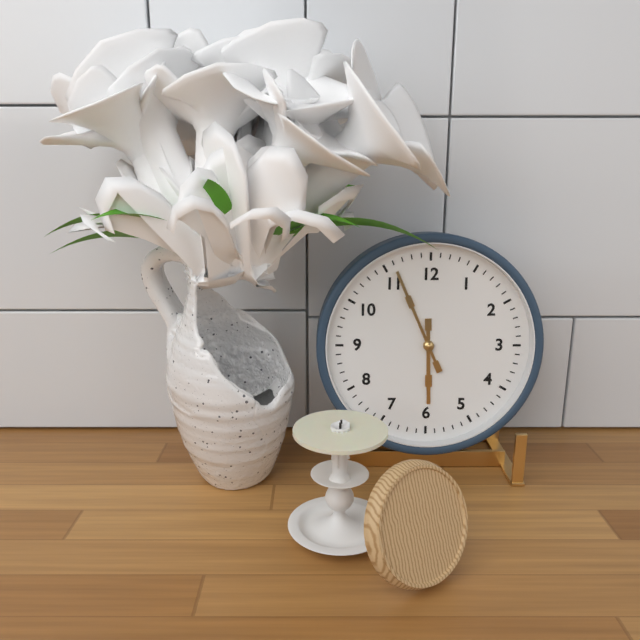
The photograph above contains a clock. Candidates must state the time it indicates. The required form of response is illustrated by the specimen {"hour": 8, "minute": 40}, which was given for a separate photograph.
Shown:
{"hour": 5, "minute": 56}
